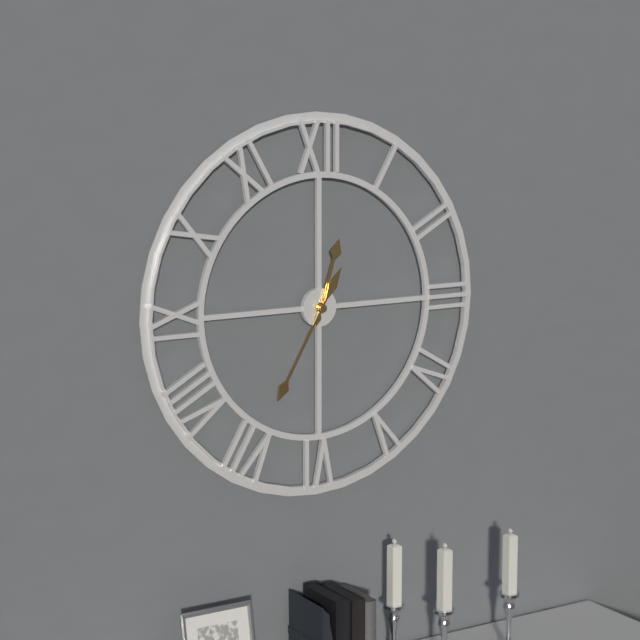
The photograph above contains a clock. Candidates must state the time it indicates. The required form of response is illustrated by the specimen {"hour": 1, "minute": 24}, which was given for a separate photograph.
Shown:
{"hour": 12, "minute": 35}
